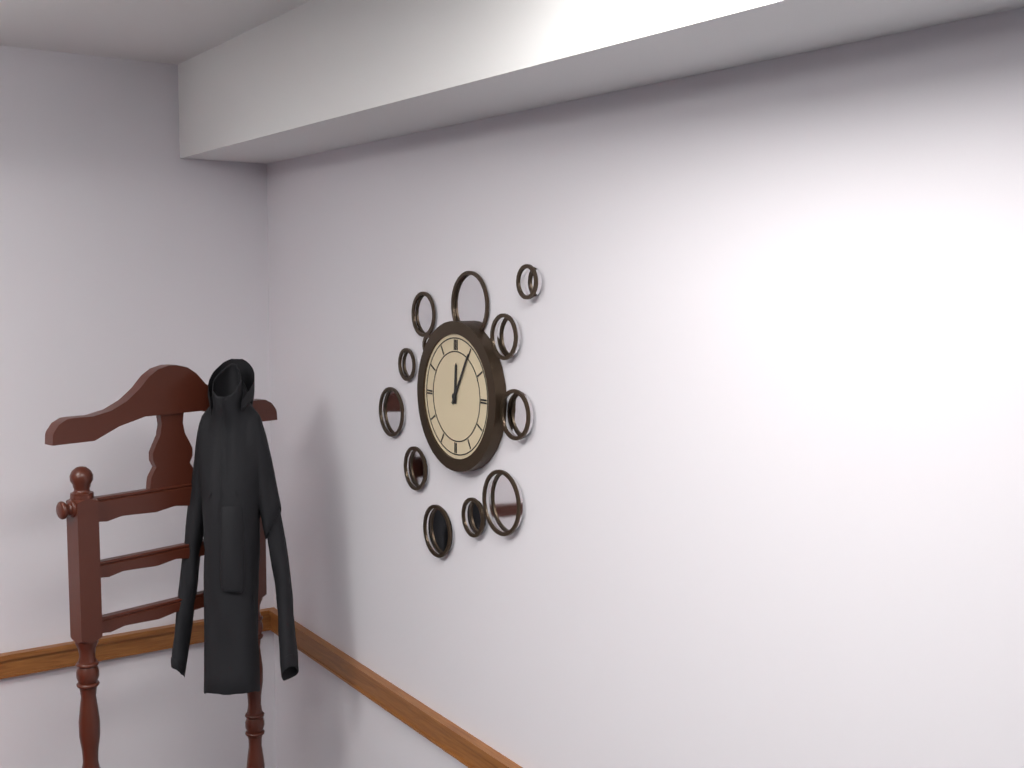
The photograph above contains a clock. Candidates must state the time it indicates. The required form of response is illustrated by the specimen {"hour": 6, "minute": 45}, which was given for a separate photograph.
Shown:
{"hour": 12, "minute": 5}
